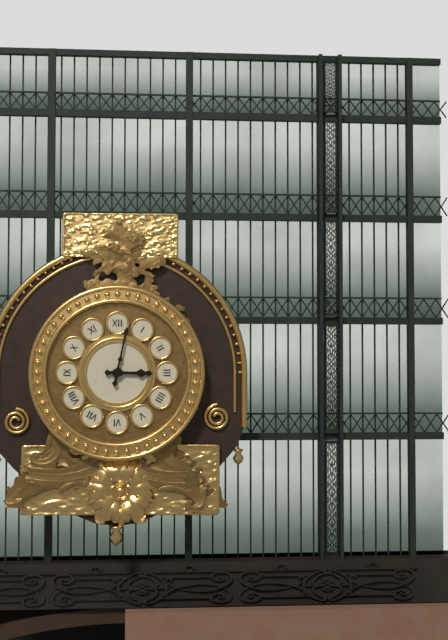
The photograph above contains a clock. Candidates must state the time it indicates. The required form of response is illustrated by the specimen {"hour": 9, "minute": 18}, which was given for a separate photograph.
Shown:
{"hour": 3, "minute": 2}
